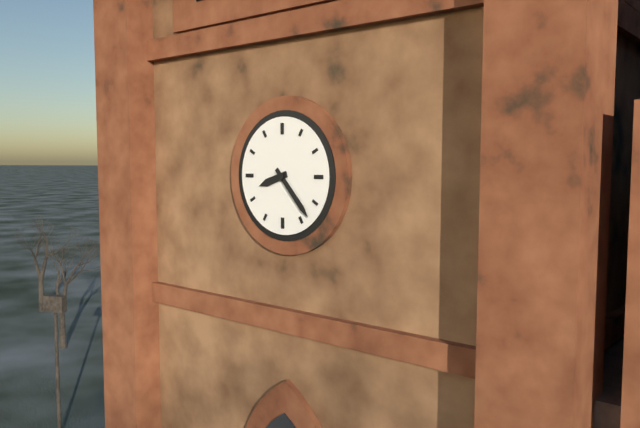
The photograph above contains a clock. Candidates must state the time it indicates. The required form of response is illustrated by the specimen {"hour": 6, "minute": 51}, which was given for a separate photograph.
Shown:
{"hour": 8, "minute": 23}
